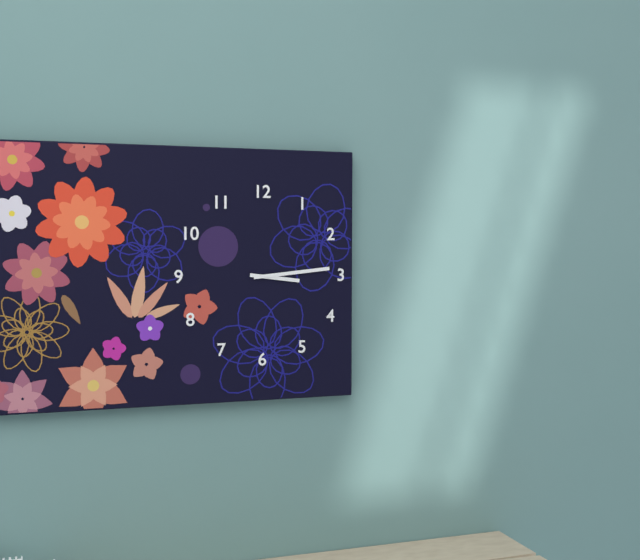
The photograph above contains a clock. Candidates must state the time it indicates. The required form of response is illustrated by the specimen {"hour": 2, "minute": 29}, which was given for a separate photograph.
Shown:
{"hour": 3, "minute": 14}
